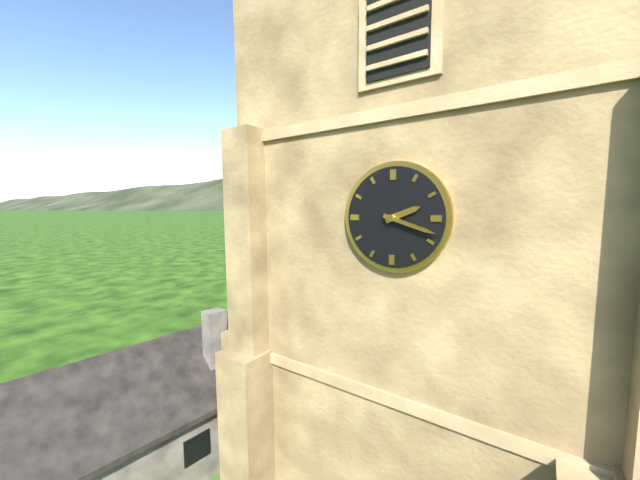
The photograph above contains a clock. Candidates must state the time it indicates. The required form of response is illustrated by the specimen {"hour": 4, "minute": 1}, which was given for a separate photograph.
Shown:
{"hour": 2, "minute": 18}
